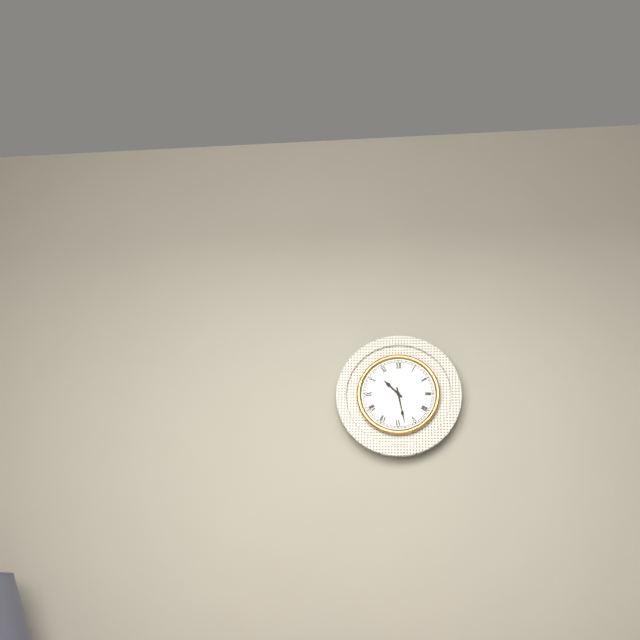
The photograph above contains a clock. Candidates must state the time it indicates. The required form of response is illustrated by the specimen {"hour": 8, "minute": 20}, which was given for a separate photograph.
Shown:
{"hour": 10, "minute": 28}
